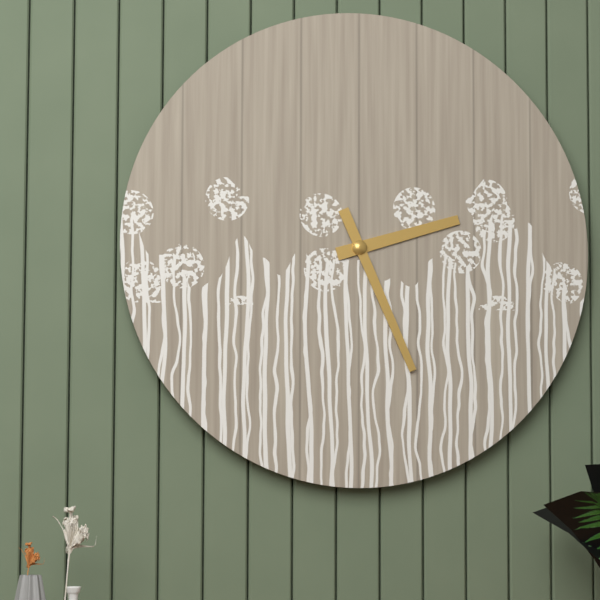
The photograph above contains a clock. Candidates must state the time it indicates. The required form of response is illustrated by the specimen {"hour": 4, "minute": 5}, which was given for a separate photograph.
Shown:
{"hour": 2, "minute": 26}
